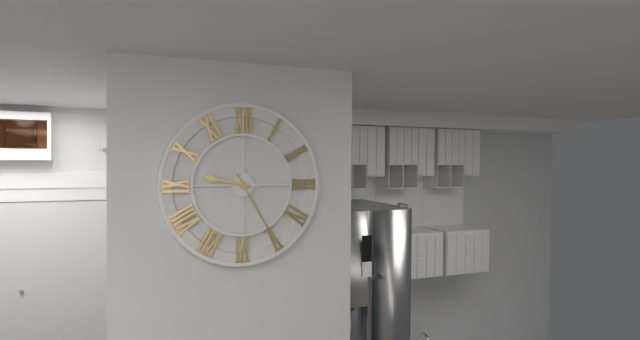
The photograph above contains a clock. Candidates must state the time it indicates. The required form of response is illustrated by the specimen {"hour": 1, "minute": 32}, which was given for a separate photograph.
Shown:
{"hour": 9, "minute": 25}
